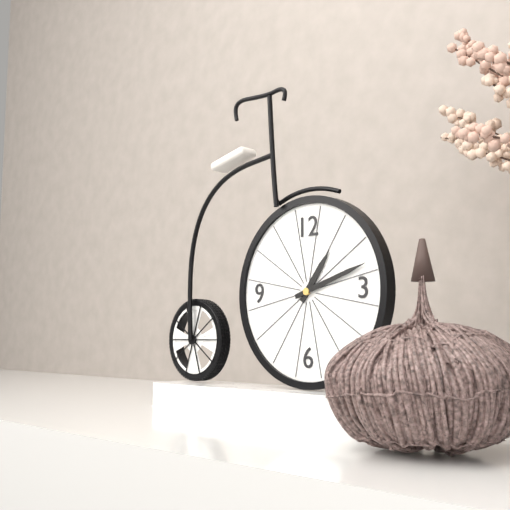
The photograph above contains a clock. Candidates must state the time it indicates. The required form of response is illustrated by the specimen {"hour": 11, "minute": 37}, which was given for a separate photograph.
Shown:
{"hour": 1, "minute": 12}
